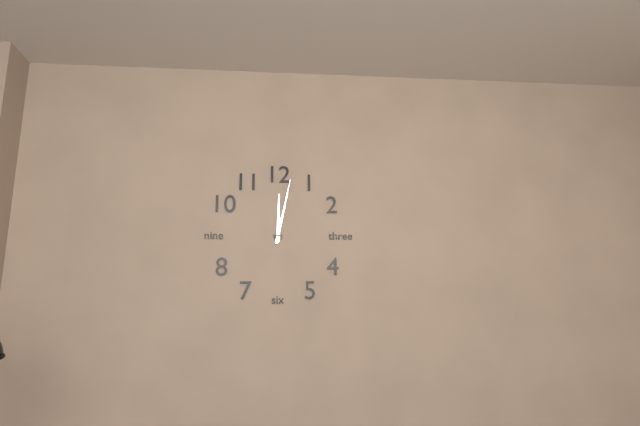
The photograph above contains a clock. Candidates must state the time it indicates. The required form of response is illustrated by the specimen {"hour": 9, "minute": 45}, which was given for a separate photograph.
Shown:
{"hour": 12, "minute": 2}
